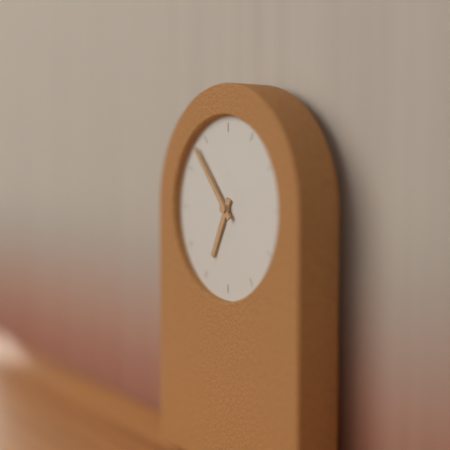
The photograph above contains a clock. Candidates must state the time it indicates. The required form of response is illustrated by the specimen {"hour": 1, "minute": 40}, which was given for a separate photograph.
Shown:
{"hour": 6, "minute": 53}
